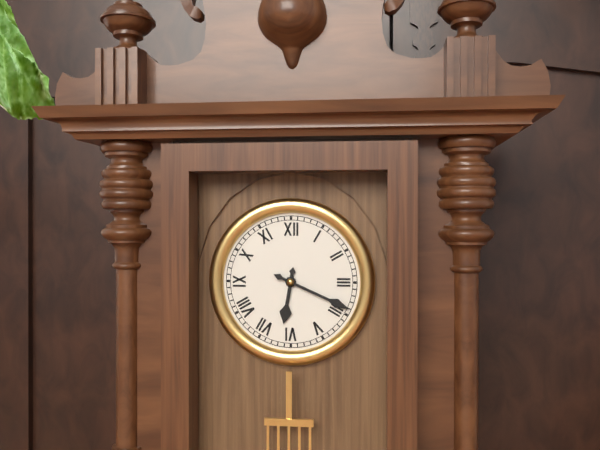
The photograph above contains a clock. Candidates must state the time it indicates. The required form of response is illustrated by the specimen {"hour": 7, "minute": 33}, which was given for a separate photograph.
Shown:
{"hour": 6, "minute": 19}
